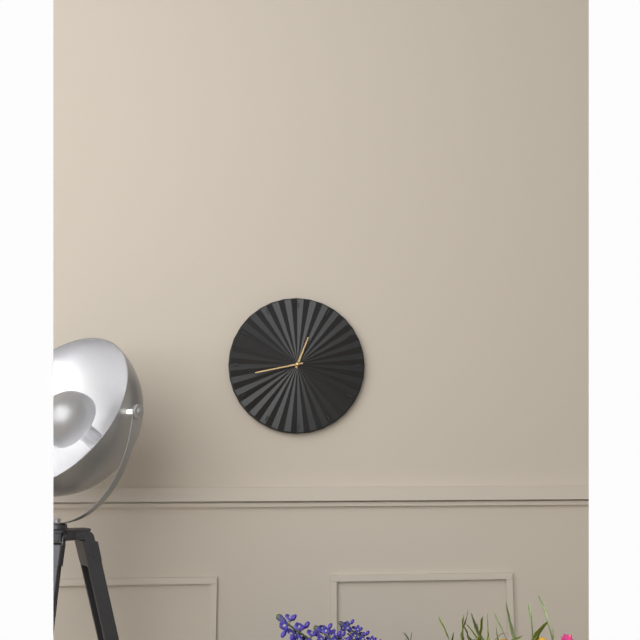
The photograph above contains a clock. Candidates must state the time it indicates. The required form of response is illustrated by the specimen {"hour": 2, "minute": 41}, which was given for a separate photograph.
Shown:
{"hour": 12, "minute": 43}
